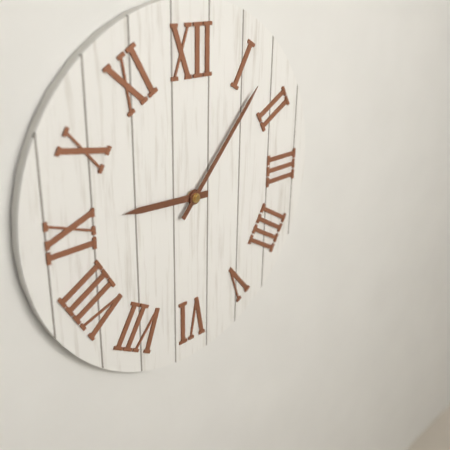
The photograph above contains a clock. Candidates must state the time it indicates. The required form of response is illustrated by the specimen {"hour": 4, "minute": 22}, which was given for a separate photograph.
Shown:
{"hour": 9, "minute": 7}
